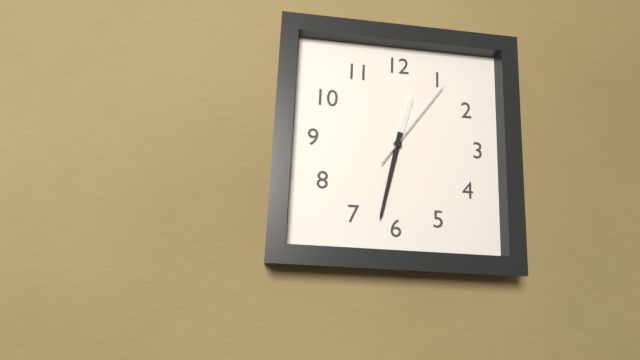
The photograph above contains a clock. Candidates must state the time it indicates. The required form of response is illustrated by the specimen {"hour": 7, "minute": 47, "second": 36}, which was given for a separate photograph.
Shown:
{"hour": 12, "minute": 32, "second": 6}
